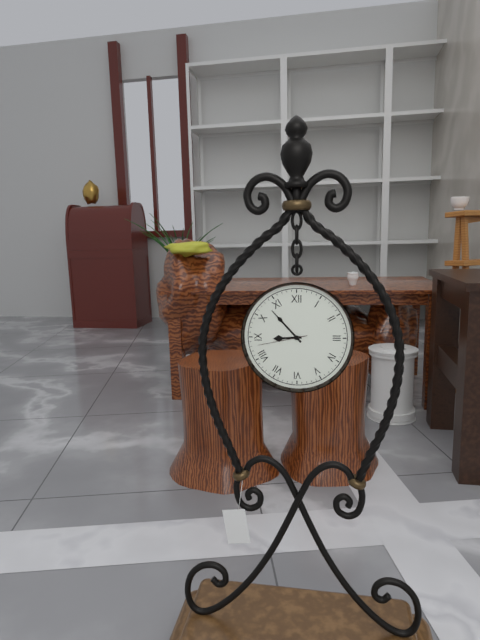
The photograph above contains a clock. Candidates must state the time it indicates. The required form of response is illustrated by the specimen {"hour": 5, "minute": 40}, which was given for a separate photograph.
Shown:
{"hour": 8, "minute": 53}
